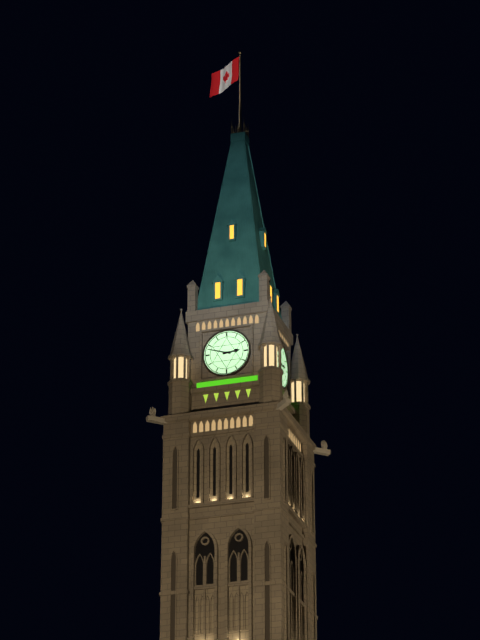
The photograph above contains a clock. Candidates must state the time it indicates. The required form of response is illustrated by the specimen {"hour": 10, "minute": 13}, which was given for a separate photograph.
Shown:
{"hour": 2, "minute": 48}
